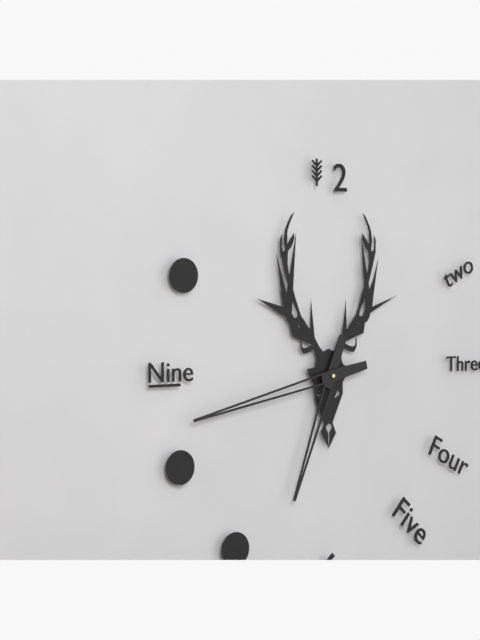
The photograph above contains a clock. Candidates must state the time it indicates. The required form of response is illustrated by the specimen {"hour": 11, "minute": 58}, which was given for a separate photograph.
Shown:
{"hour": 6, "minute": 43}
